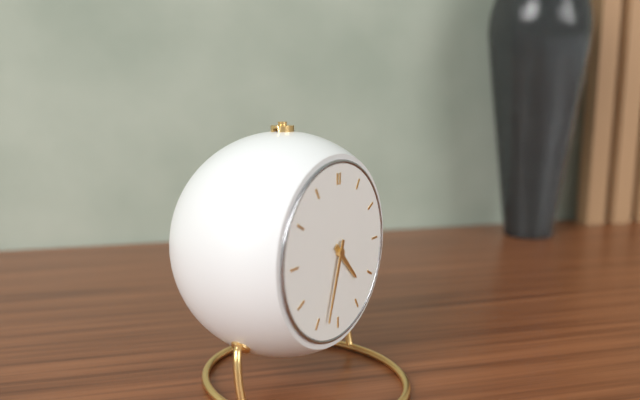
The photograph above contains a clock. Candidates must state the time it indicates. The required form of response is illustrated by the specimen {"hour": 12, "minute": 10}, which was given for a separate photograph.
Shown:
{"hour": 4, "minute": 33}
